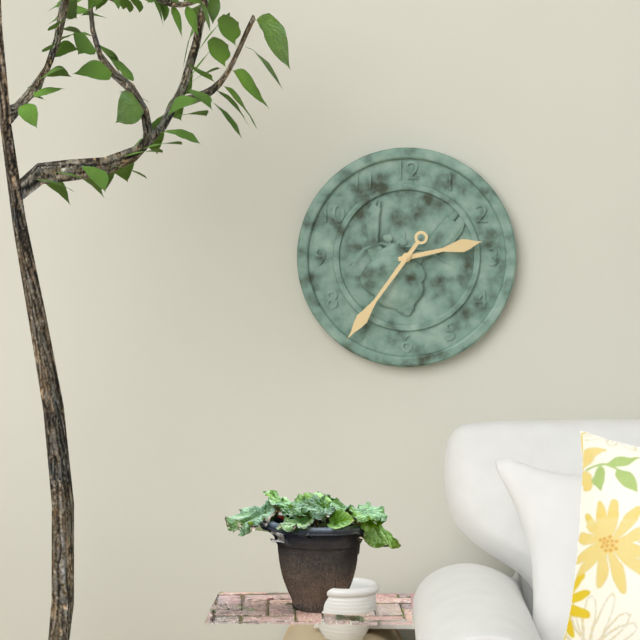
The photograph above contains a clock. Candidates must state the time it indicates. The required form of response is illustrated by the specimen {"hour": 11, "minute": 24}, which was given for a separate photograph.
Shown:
{"hour": 2, "minute": 36}
